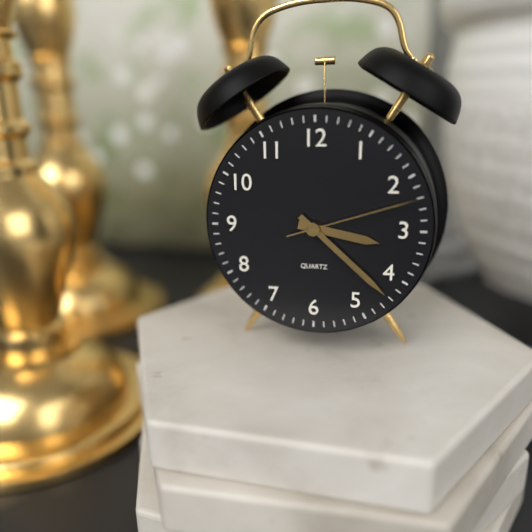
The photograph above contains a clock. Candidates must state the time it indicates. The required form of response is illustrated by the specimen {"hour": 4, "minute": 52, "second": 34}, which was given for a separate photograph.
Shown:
{"hour": 3, "minute": 22, "second": 12}
